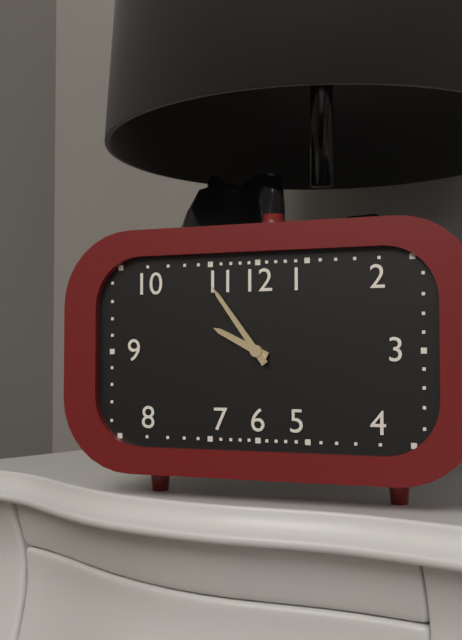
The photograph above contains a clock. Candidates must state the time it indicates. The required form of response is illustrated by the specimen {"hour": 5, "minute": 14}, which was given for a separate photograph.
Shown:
{"hour": 9, "minute": 54}
